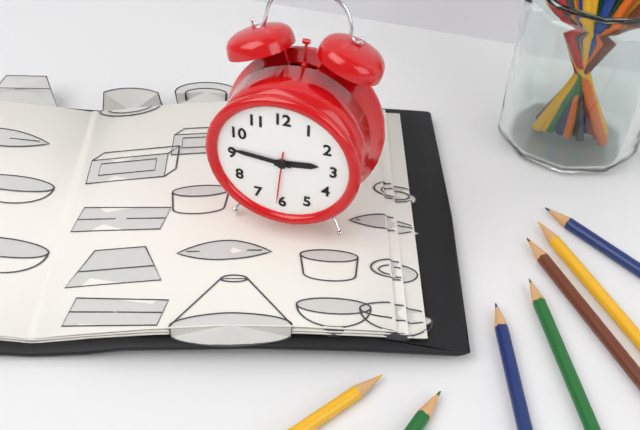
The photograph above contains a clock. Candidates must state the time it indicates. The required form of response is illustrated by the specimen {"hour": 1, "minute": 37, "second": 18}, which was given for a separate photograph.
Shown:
{"hour": 2, "minute": 46, "second": 31}
